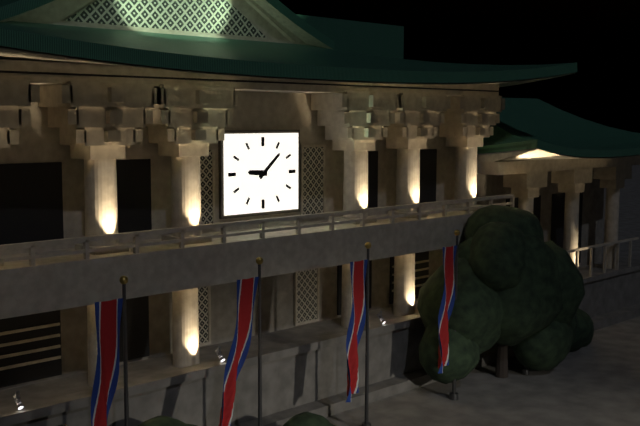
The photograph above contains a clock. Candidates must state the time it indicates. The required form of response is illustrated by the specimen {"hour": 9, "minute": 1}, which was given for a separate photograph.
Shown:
{"hour": 9, "minute": 8}
